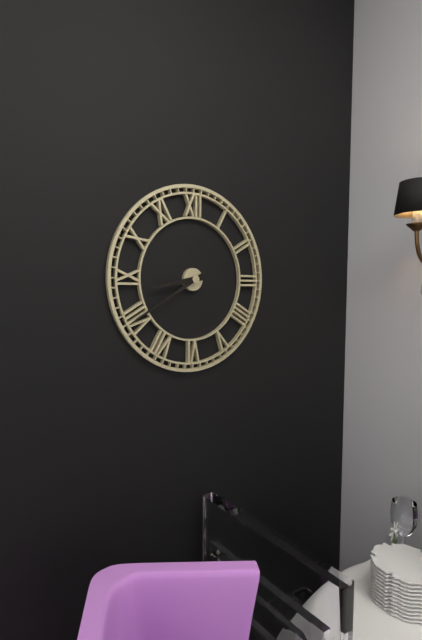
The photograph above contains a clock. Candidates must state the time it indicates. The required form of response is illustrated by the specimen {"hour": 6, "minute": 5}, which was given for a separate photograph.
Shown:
{"hour": 8, "minute": 40}
